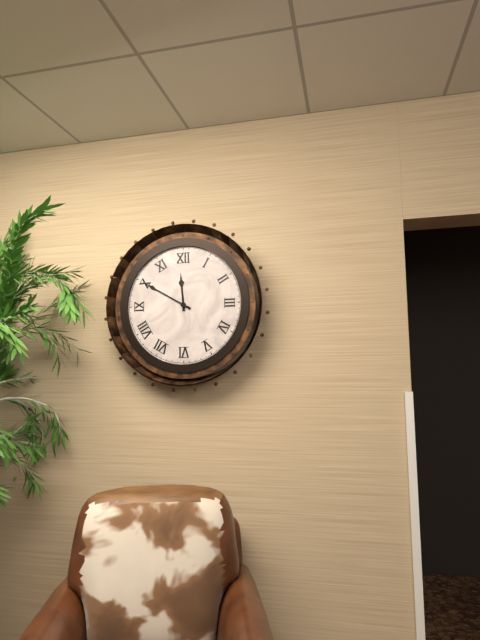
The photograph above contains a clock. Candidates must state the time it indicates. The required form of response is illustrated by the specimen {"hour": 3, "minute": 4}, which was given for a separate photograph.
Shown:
{"hour": 11, "minute": 50}
